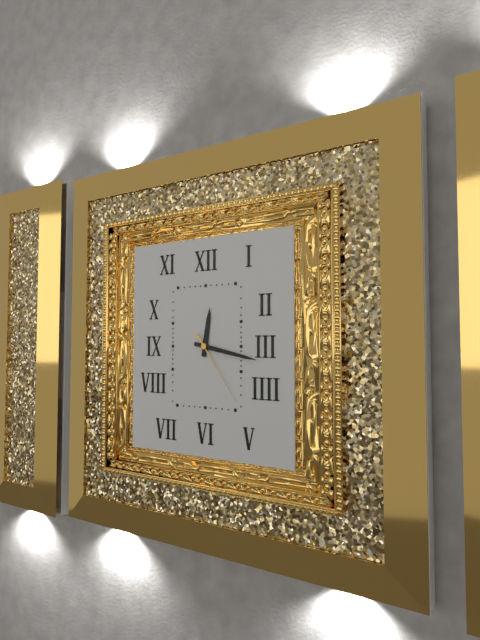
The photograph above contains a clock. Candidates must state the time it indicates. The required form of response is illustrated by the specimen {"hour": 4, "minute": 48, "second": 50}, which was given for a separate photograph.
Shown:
{"hour": 12, "minute": 17, "second": 24}
